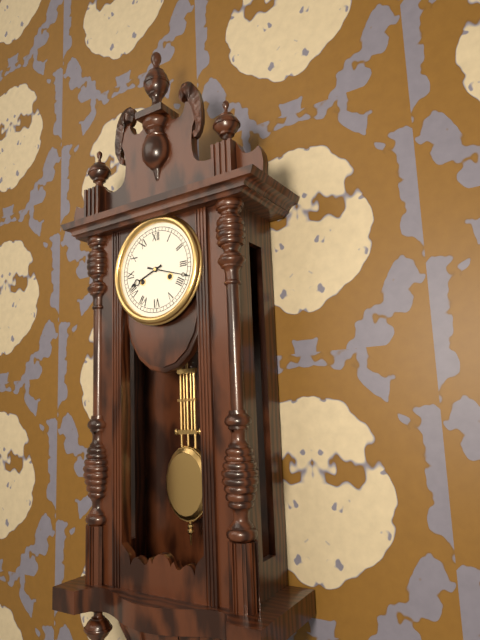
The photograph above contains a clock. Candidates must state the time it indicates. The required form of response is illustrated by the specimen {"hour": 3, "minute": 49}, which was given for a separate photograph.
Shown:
{"hour": 8, "minute": 18}
